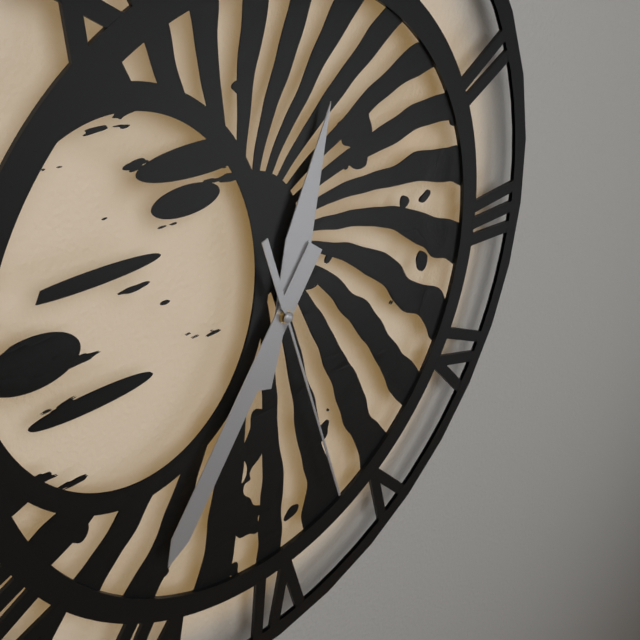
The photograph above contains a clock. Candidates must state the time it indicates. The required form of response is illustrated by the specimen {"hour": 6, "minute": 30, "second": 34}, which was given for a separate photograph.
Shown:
{"hour": 12, "minute": 36, "second": 27}
